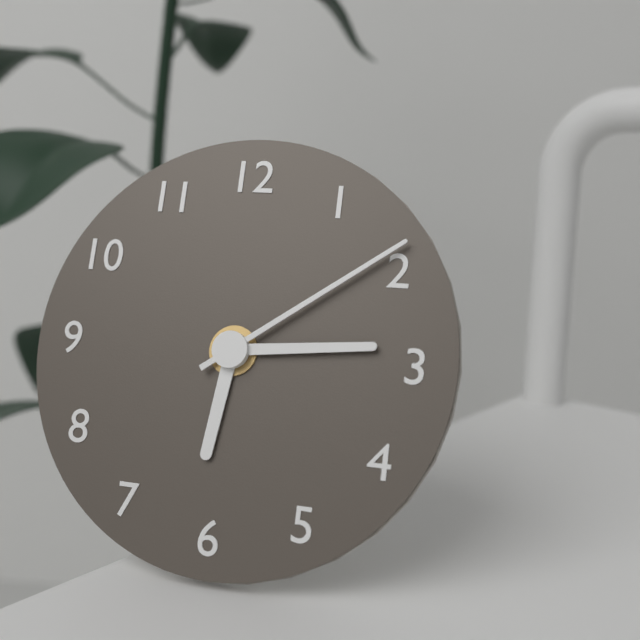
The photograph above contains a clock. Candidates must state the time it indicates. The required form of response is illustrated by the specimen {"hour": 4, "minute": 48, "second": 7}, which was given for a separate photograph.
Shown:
{"hour": 6, "minute": 14, "second": 9}
